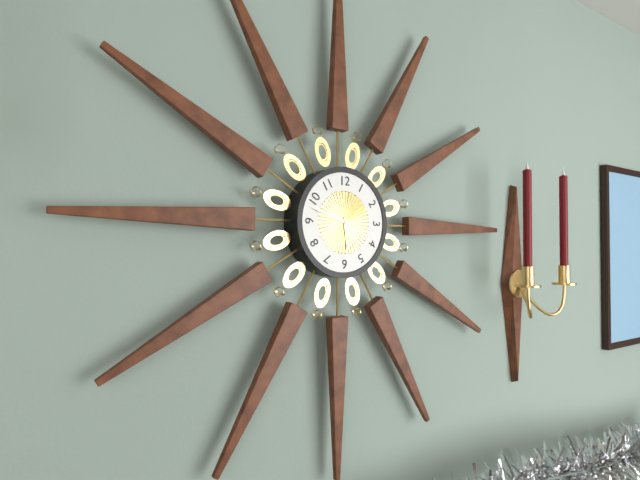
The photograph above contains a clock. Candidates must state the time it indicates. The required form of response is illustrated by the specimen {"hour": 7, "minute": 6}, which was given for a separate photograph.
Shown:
{"hour": 5, "minute": 48}
